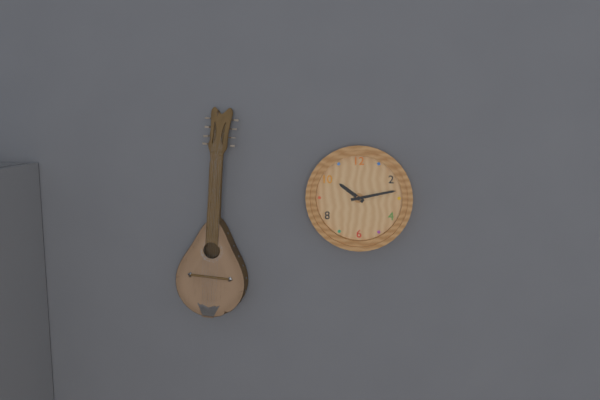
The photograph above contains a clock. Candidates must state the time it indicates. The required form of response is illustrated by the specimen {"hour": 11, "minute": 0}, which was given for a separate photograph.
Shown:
{"hour": 10, "minute": 13}
